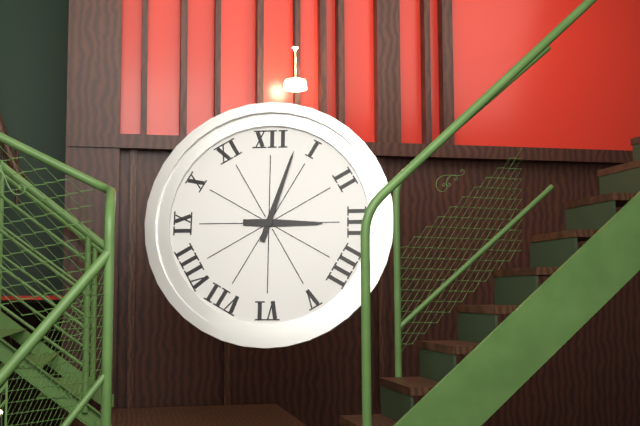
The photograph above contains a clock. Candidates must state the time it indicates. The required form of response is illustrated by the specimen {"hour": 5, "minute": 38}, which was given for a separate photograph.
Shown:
{"hour": 3, "minute": 3}
